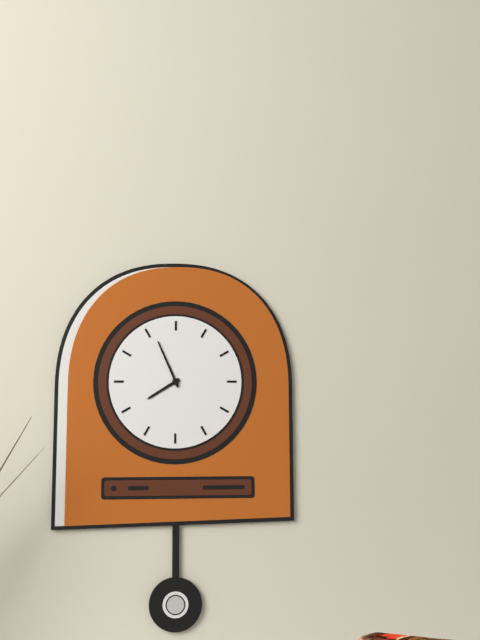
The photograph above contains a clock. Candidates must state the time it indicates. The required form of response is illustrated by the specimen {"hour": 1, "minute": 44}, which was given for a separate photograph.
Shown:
{"hour": 7, "minute": 56}
